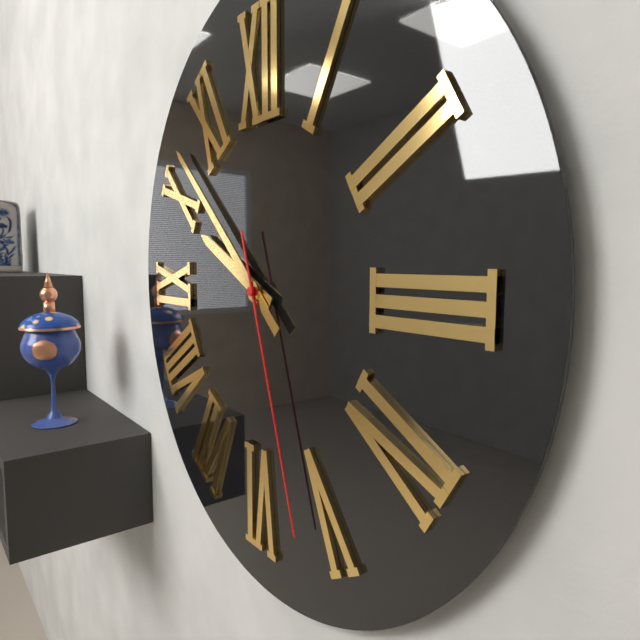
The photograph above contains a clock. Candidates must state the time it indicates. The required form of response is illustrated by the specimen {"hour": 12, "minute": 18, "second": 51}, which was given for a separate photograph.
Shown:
{"hour": 9, "minute": 52, "second": 27}
